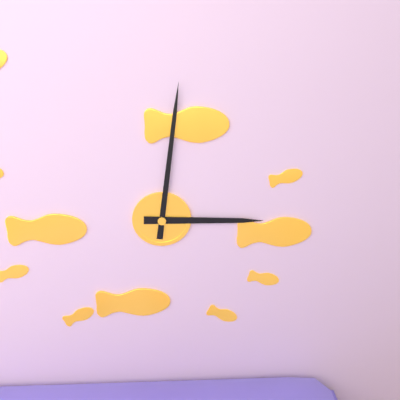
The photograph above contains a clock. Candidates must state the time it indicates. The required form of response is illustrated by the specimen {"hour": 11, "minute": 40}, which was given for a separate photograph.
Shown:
{"hour": 3, "minute": 1}
